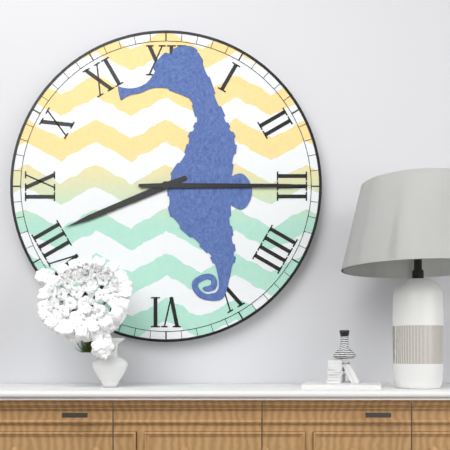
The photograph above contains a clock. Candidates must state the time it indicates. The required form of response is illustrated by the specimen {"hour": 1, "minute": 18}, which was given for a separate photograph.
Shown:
{"hour": 8, "minute": 15}
